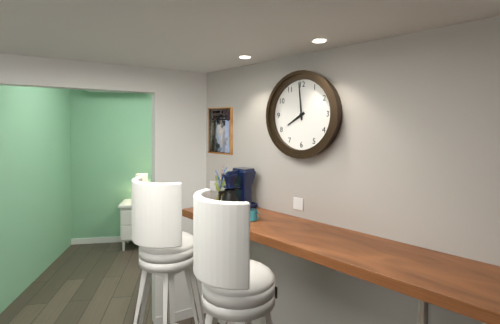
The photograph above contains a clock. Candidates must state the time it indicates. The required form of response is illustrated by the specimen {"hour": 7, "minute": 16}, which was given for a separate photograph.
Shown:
{"hour": 7, "minute": 59}
